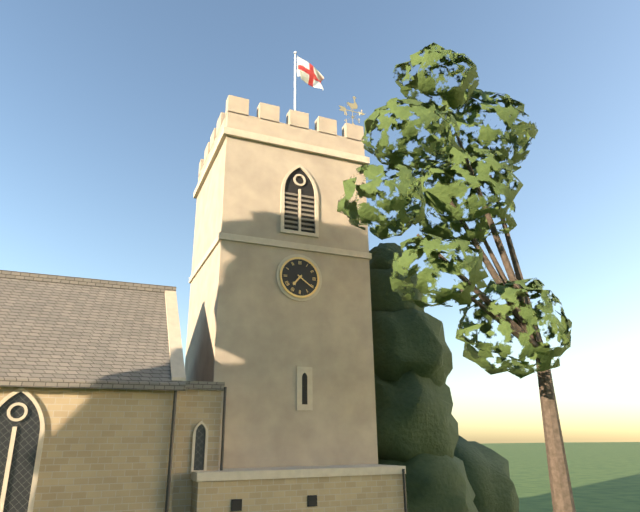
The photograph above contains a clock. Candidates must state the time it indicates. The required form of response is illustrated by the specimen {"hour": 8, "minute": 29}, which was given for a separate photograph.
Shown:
{"hour": 7, "minute": 21}
